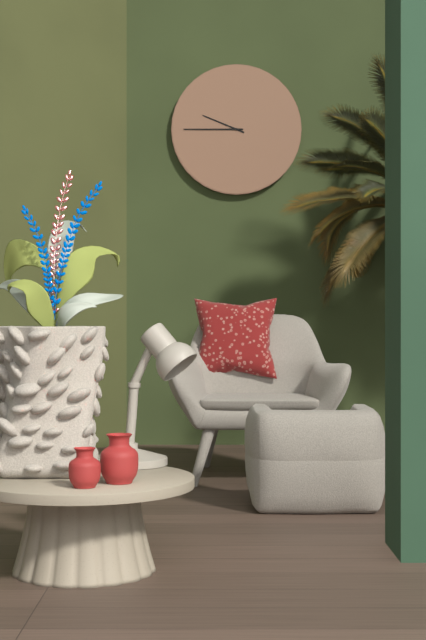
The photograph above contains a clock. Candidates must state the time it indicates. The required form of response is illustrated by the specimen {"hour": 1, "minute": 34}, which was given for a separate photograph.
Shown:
{"hour": 9, "minute": 45}
